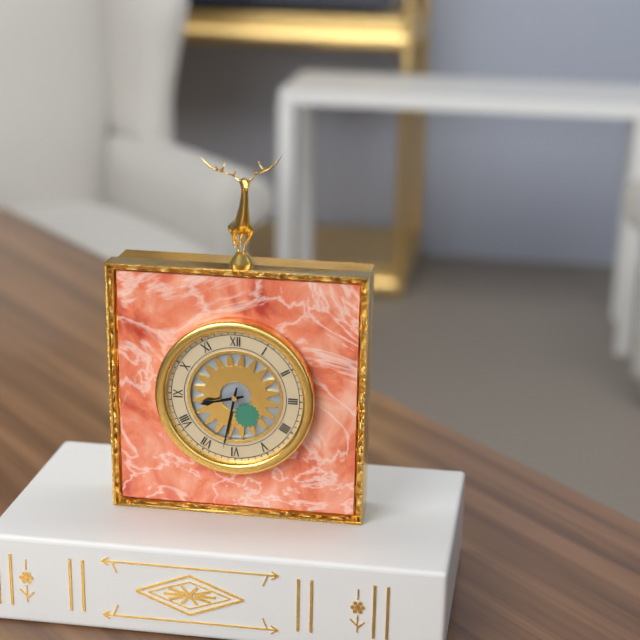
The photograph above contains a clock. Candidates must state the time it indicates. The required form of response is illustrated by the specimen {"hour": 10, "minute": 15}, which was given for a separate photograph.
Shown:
{"hour": 8, "minute": 32}
